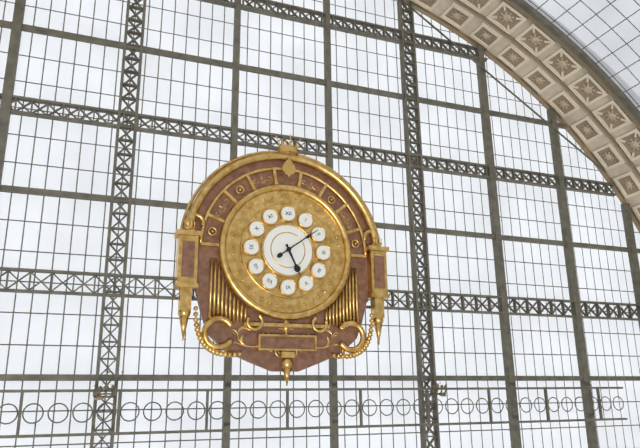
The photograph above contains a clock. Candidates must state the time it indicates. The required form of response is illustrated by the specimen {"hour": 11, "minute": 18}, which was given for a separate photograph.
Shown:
{"hour": 5, "minute": 9}
